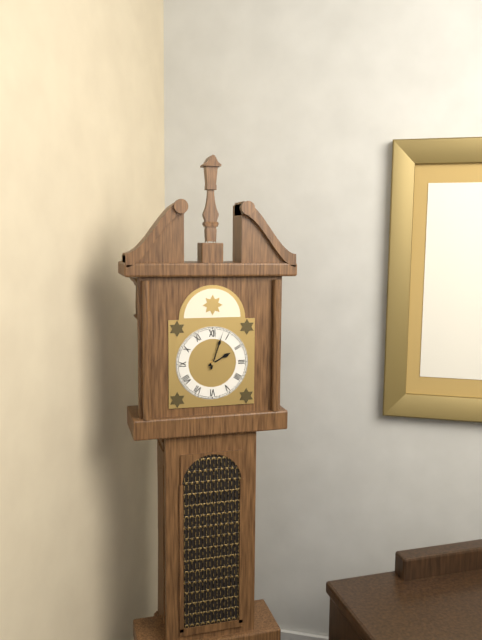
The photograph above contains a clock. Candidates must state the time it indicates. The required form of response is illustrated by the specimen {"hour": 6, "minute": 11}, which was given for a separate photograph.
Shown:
{"hour": 2, "minute": 3}
